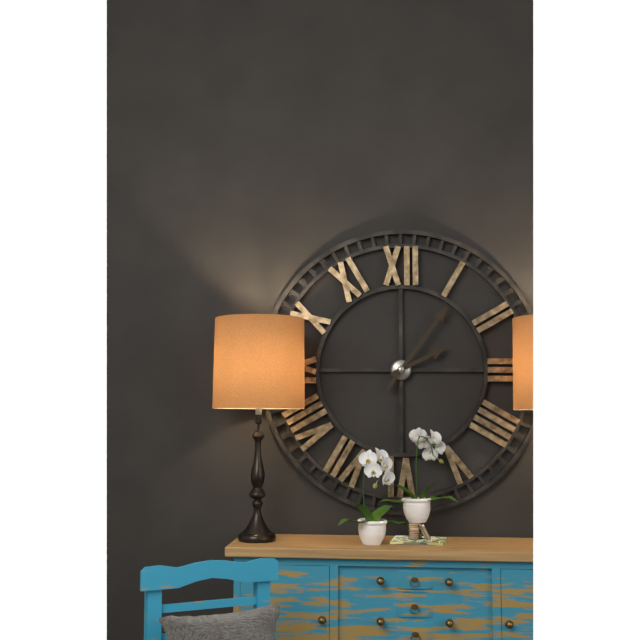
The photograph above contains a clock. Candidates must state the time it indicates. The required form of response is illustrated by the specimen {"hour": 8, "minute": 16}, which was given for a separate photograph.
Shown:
{"hour": 2, "minute": 6}
